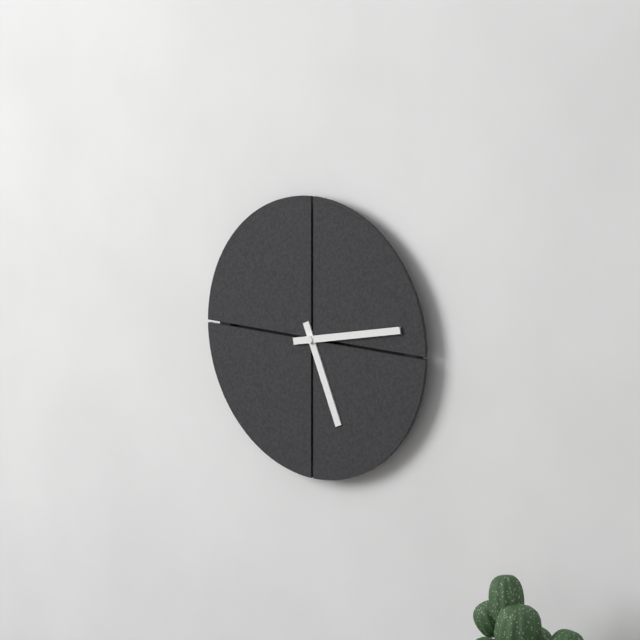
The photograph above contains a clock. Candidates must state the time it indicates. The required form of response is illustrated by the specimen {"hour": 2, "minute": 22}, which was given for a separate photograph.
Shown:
{"hour": 5, "minute": 13}
